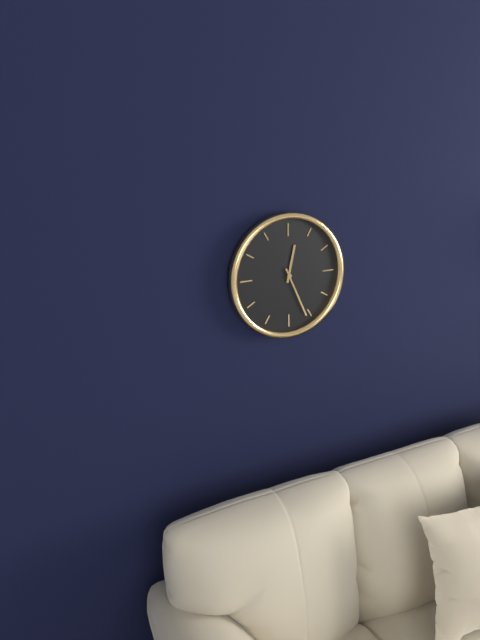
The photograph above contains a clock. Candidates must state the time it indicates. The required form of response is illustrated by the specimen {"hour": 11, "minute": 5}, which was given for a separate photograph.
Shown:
{"hour": 12, "minute": 26}
